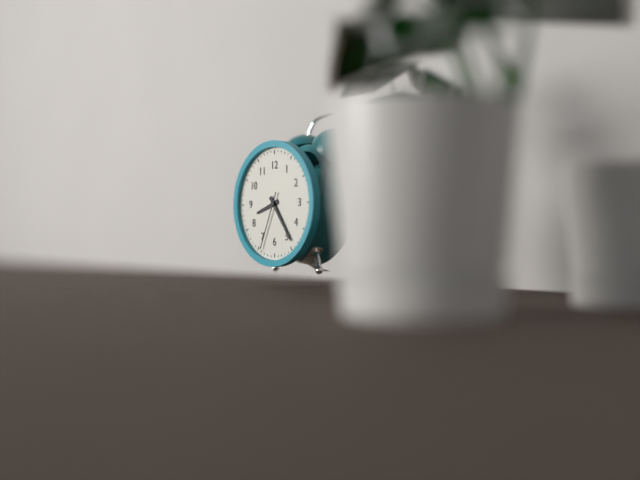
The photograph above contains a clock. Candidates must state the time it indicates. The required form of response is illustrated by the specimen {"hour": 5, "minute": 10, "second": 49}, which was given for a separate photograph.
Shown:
{"hour": 8, "minute": 24, "second": 34}
